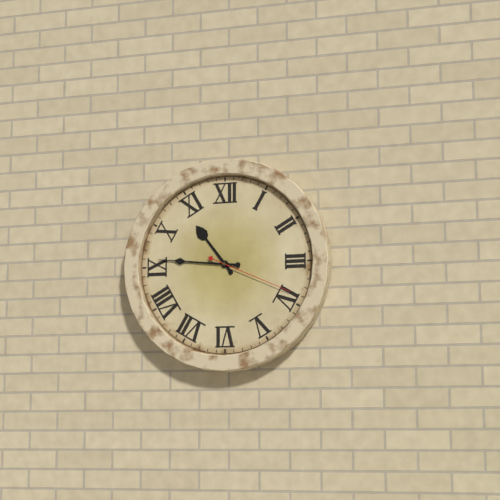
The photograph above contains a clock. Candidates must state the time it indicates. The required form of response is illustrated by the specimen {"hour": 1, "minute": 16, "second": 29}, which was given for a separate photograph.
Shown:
{"hour": 10, "minute": 46, "second": 19}
